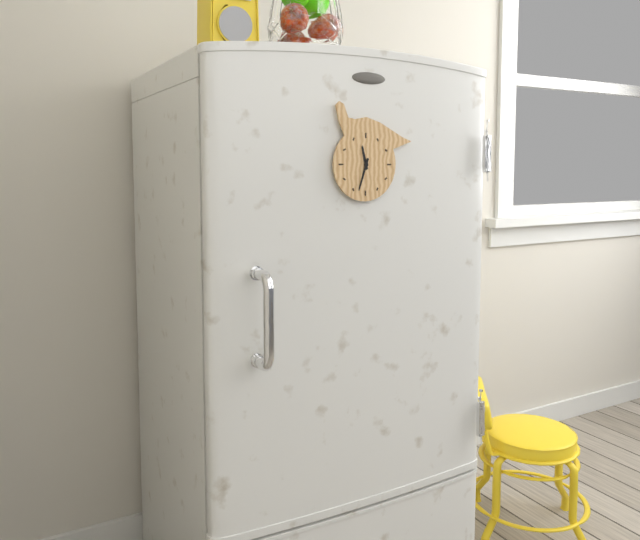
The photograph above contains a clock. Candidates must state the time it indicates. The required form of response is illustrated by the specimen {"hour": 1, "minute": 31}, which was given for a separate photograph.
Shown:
{"hour": 11, "minute": 33}
